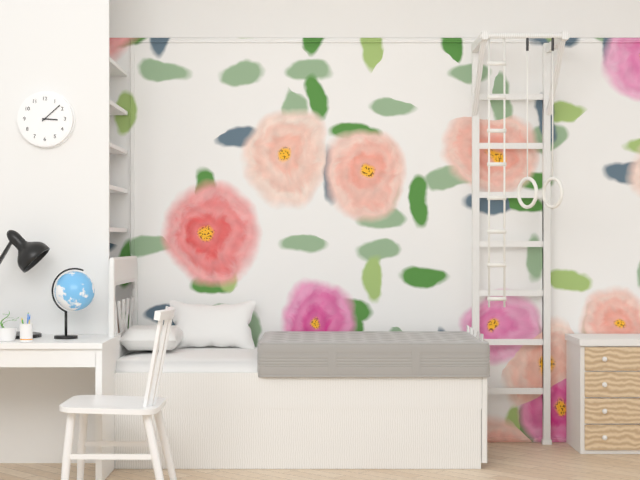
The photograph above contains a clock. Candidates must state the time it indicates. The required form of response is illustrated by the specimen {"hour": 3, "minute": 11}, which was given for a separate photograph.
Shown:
{"hour": 3, "minute": 8}
